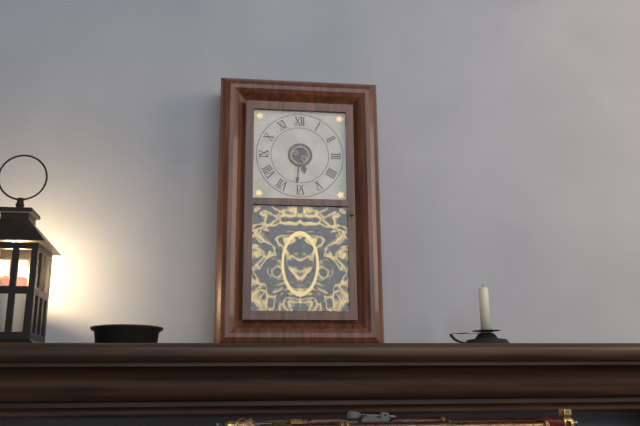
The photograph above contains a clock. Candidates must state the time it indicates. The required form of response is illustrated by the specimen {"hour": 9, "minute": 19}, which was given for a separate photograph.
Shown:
{"hour": 5, "minute": 31}
